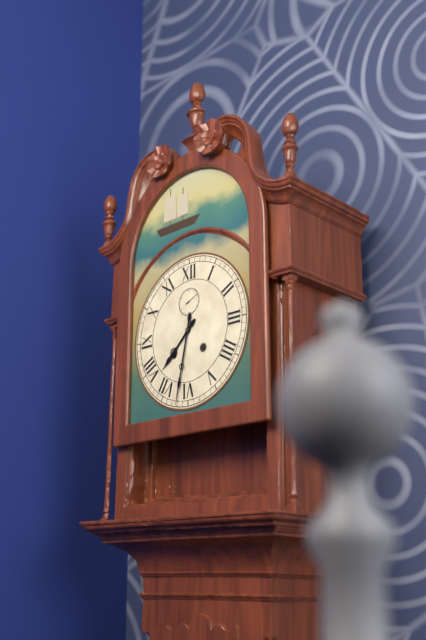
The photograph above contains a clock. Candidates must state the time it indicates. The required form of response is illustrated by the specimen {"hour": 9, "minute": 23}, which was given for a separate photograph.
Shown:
{"hour": 7, "minute": 32}
